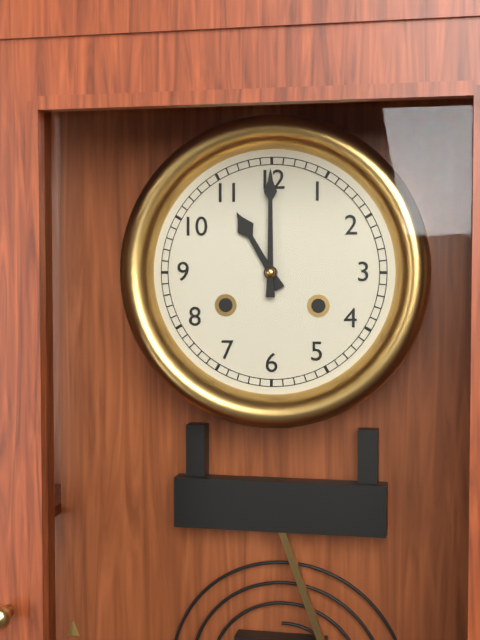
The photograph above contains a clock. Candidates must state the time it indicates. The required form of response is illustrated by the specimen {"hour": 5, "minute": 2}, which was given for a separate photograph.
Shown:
{"hour": 11, "minute": 0}
